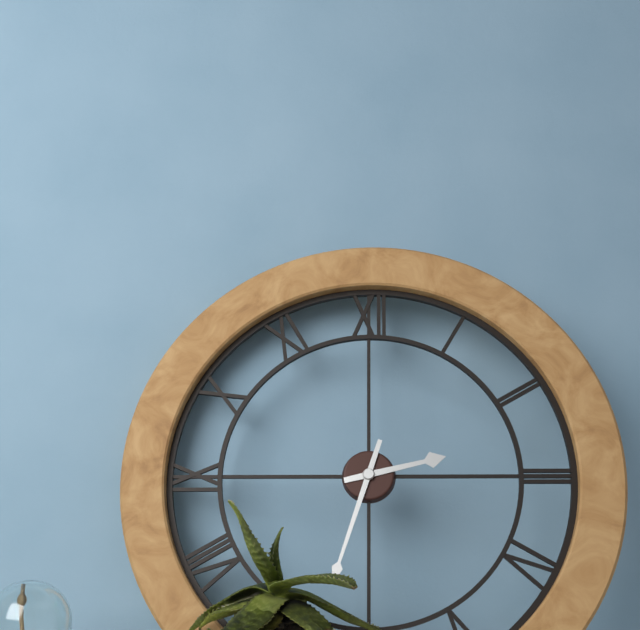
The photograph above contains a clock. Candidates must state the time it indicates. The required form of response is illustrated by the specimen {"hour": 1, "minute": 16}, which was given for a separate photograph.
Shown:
{"hour": 2, "minute": 33}
